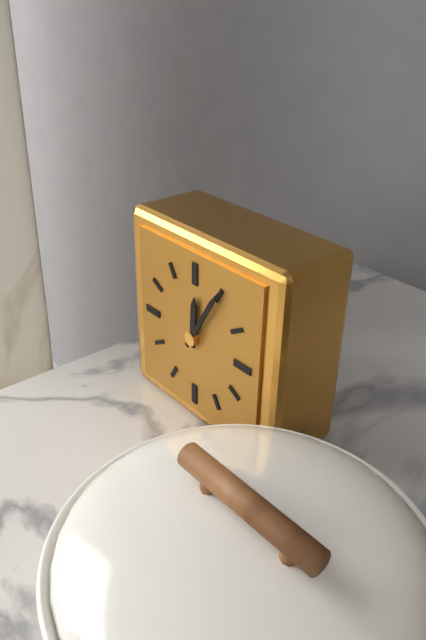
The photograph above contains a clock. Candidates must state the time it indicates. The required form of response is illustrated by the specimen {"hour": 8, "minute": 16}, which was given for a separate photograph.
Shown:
{"hour": 12, "minute": 5}
